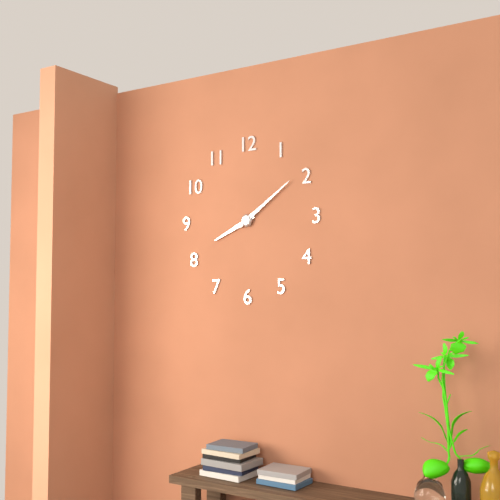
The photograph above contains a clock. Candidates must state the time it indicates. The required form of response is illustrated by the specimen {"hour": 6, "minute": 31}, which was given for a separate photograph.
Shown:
{"hour": 8, "minute": 9}
